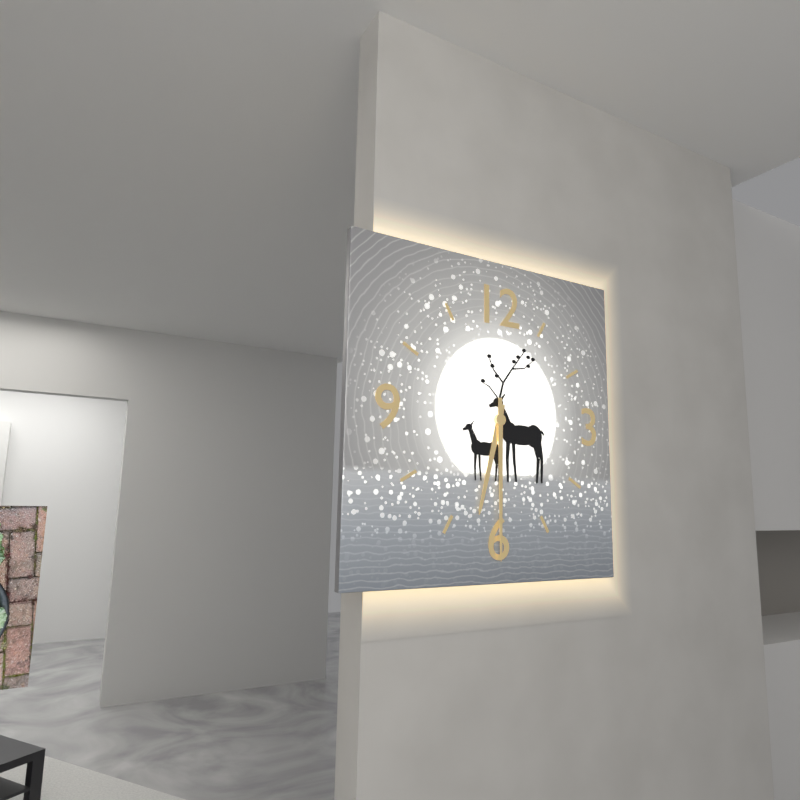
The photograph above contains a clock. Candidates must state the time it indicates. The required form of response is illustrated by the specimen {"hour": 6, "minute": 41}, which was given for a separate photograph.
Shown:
{"hour": 6, "minute": 30}
